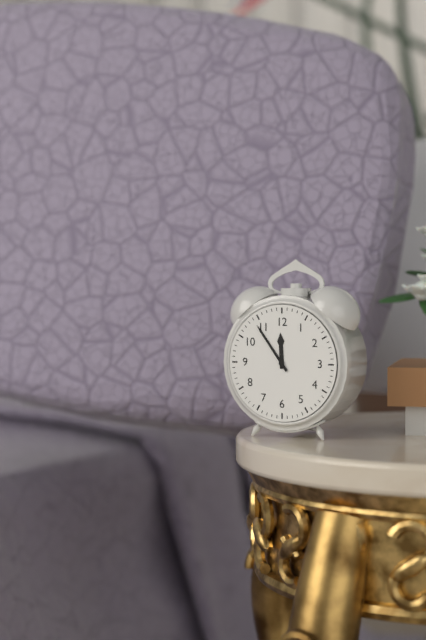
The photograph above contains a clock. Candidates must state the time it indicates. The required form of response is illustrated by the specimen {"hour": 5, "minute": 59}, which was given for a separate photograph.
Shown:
{"hour": 11, "minute": 54}
